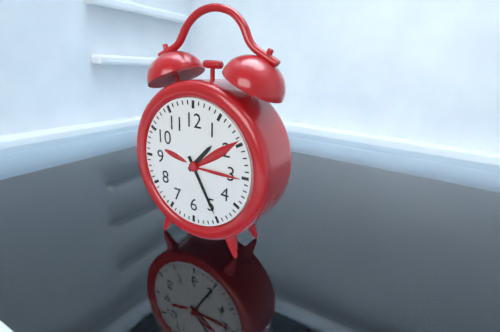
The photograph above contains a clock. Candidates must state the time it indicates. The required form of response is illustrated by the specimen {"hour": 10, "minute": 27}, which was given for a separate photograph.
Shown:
{"hour": 1, "minute": 25}
